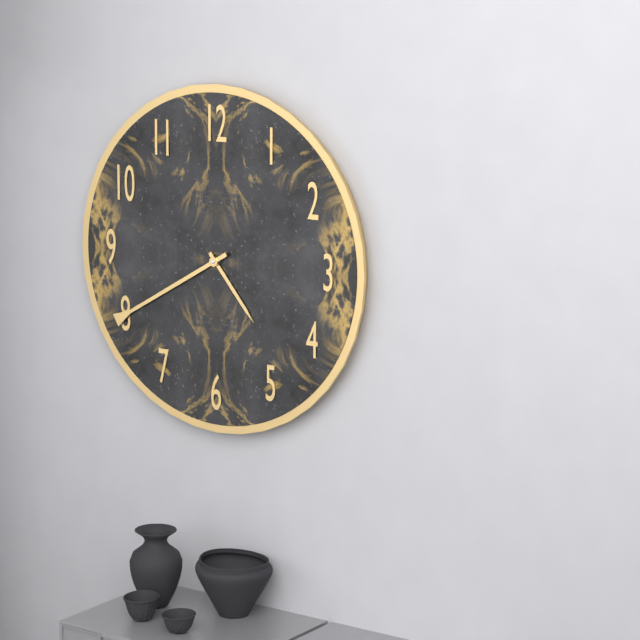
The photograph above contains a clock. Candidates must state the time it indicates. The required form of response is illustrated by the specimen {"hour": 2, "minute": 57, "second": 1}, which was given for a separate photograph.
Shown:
{"hour": 4, "minute": 40, "second": 40}
